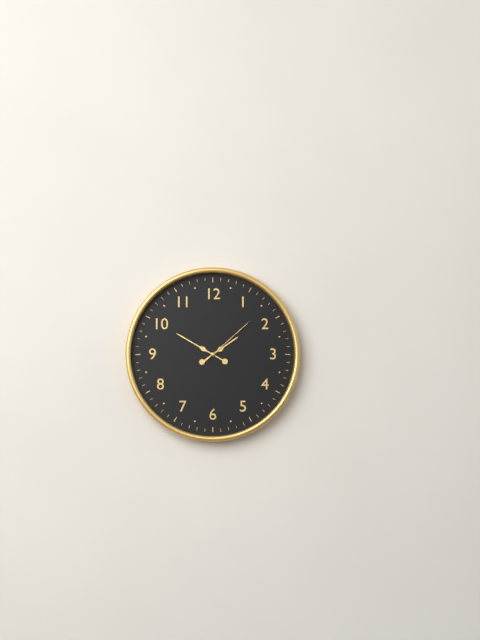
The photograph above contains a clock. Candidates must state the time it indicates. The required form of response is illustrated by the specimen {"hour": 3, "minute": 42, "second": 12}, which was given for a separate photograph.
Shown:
{"hour": 1, "minute": 50, "second": 8}
